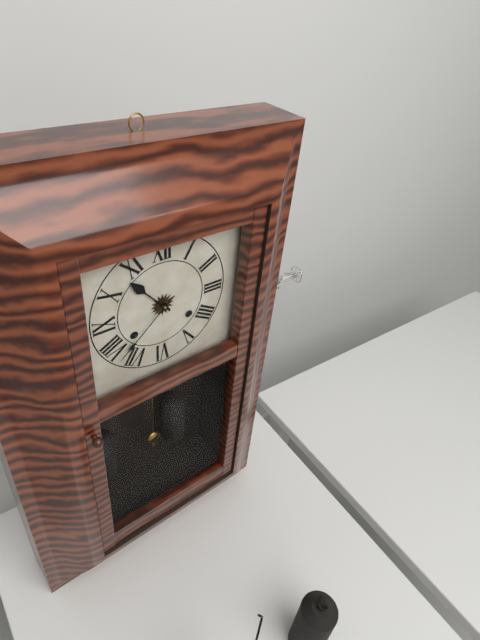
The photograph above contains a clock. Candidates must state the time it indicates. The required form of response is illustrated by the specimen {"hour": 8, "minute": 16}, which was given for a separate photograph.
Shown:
{"hour": 10, "minute": 38}
